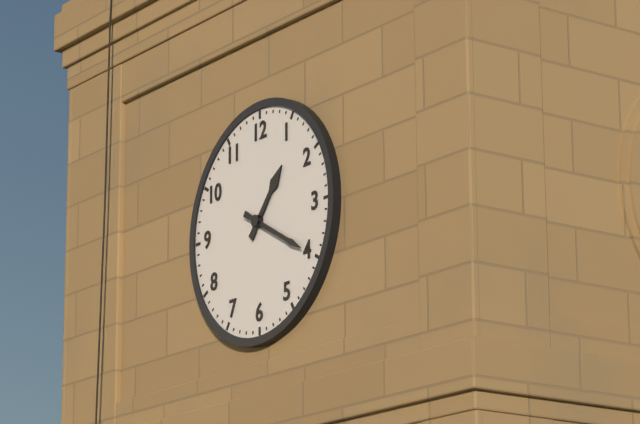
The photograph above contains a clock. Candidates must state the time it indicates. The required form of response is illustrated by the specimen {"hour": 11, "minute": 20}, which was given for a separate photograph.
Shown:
{"hour": 1, "minute": 20}
